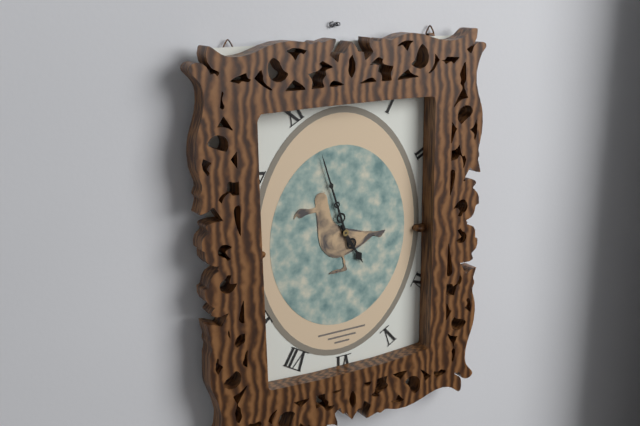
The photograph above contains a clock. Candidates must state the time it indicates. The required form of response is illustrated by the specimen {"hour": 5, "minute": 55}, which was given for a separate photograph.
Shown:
{"hour": 4, "minute": 57}
